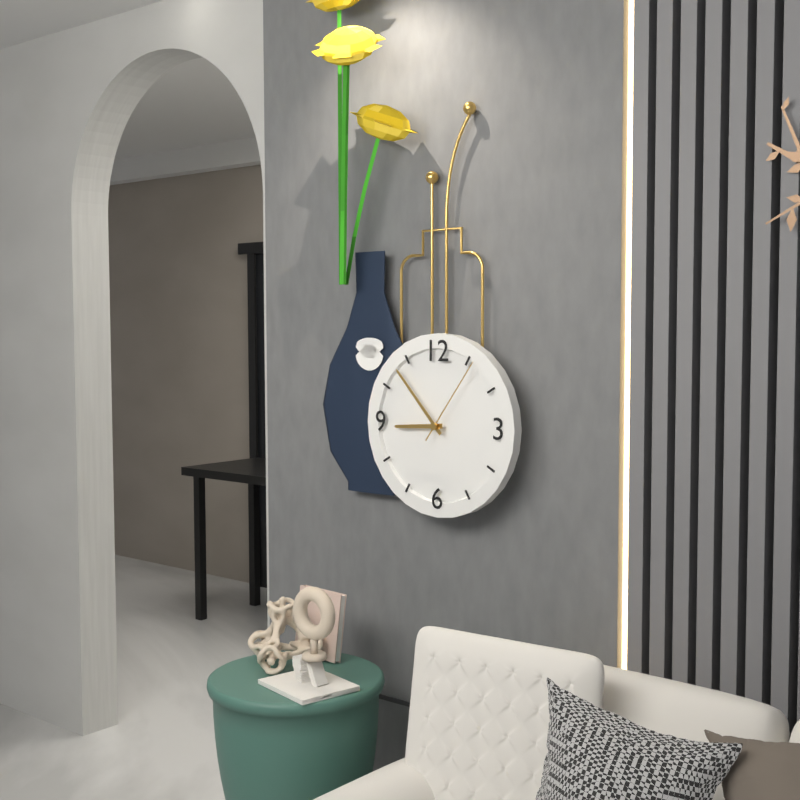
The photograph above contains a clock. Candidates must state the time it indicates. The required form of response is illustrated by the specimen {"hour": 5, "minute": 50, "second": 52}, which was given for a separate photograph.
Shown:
{"hour": 8, "minute": 53, "second": 6}
